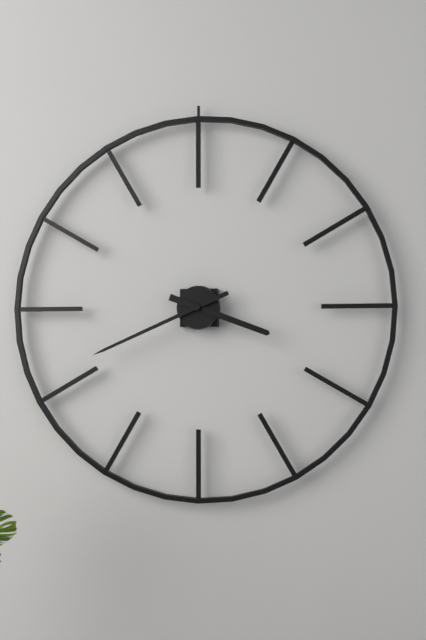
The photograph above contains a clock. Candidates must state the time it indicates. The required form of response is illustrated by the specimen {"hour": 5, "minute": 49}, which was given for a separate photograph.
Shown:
{"hour": 3, "minute": 41}
